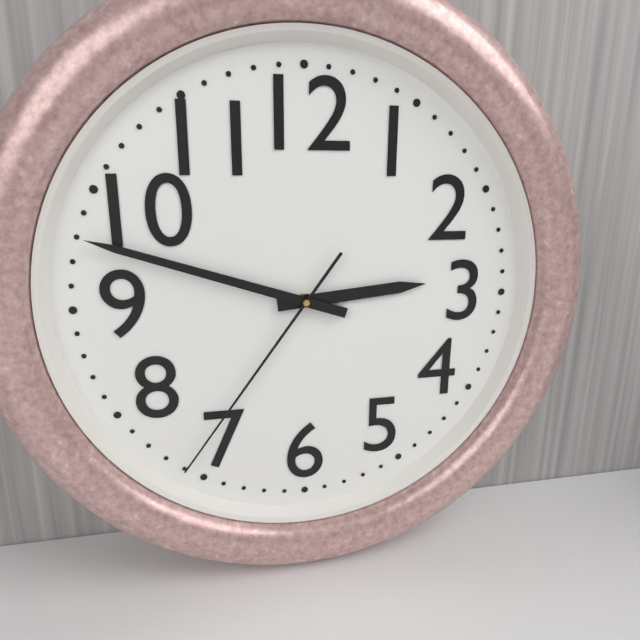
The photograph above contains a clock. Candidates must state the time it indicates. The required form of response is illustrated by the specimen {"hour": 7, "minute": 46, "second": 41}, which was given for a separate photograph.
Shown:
{"hour": 2, "minute": 48, "second": 36}
